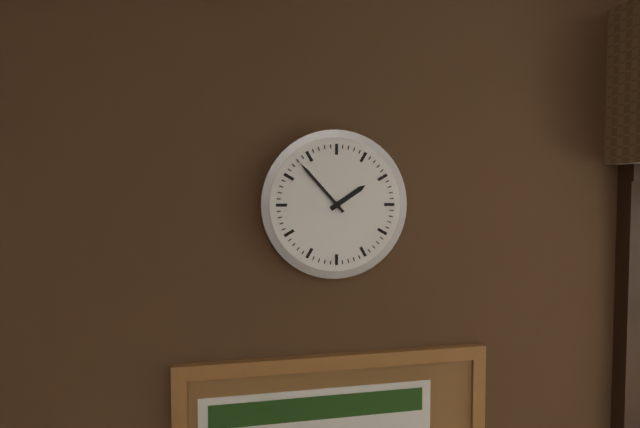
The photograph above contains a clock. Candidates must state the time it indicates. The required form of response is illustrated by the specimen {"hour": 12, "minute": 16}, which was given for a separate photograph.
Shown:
{"hour": 1, "minute": 53}
